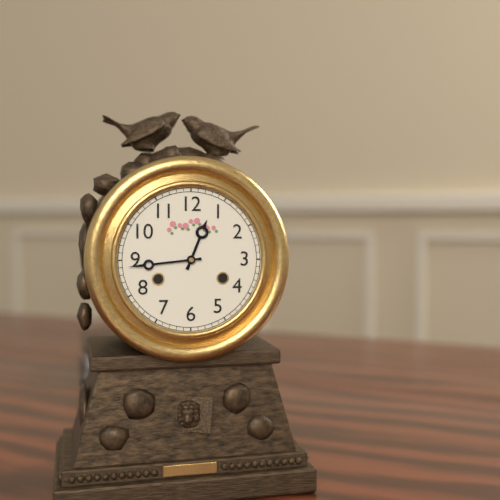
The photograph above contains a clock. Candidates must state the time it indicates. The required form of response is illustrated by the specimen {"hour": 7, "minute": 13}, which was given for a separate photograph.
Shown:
{"hour": 12, "minute": 44}
